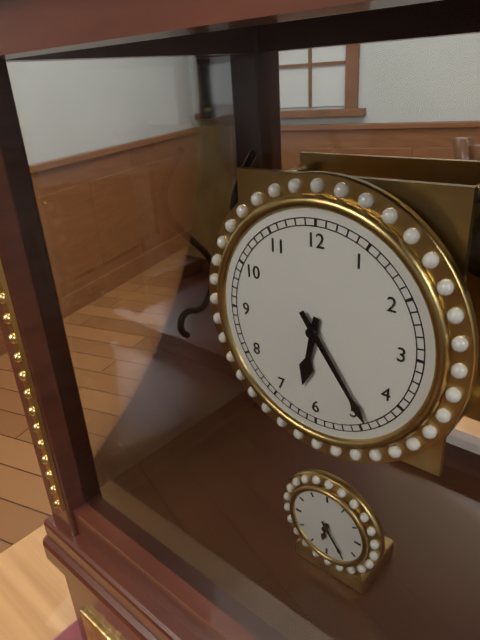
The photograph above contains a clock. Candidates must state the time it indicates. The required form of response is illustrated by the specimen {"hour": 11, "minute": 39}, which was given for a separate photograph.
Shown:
{"hour": 6, "minute": 24}
